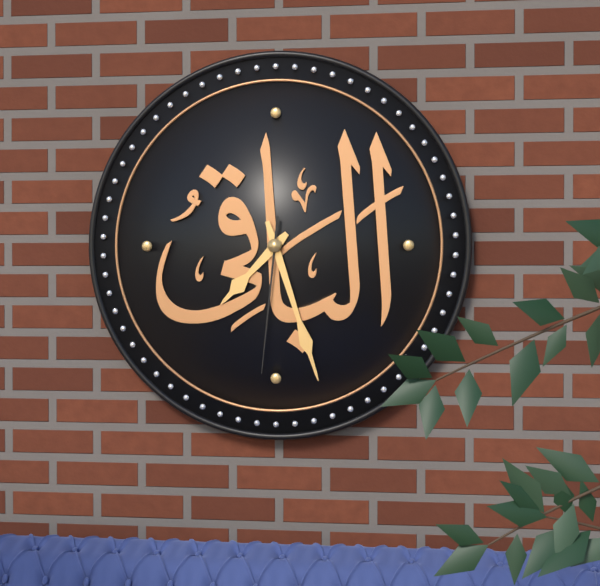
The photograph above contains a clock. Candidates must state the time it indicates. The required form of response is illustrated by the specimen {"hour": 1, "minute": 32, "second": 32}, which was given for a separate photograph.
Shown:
{"hour": 7, "minute": 27, "second": 31}
